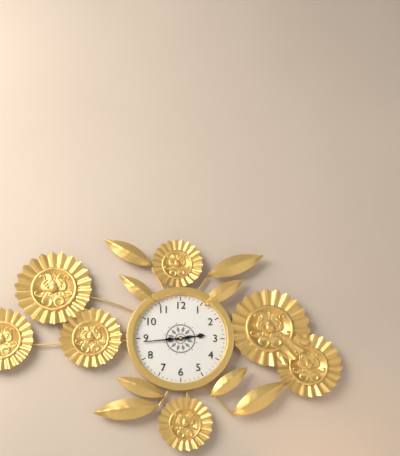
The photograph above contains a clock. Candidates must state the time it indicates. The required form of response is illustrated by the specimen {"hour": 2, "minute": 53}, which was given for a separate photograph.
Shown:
{"hour": 2, "minute": 44}
